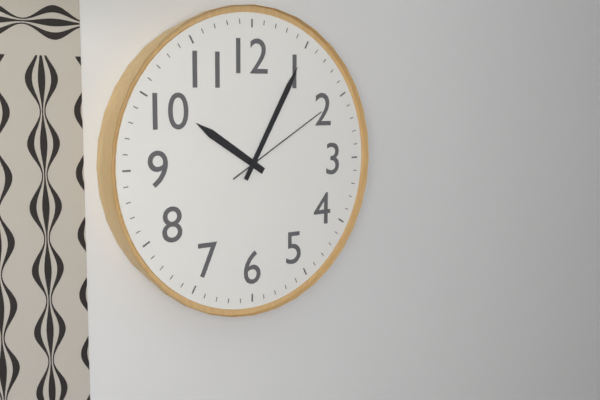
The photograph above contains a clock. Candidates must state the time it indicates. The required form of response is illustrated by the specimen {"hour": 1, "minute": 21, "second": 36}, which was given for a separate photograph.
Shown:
{"hour": 10, "minute": 5, "second": 10}
